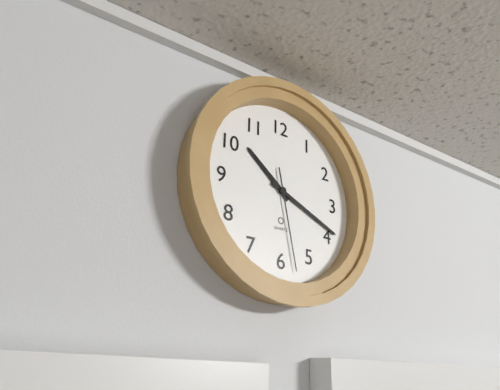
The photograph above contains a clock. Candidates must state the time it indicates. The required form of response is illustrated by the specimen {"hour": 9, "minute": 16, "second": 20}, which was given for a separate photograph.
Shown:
{"hour": 10, "minute": 19, "second": 28}
